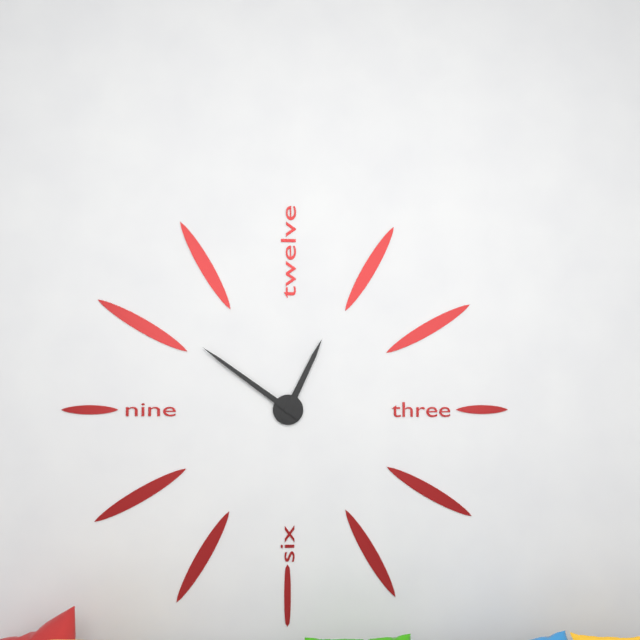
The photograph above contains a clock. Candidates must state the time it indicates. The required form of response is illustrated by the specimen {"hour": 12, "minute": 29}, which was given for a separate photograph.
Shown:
{"hour": 12, "minute": 51}
